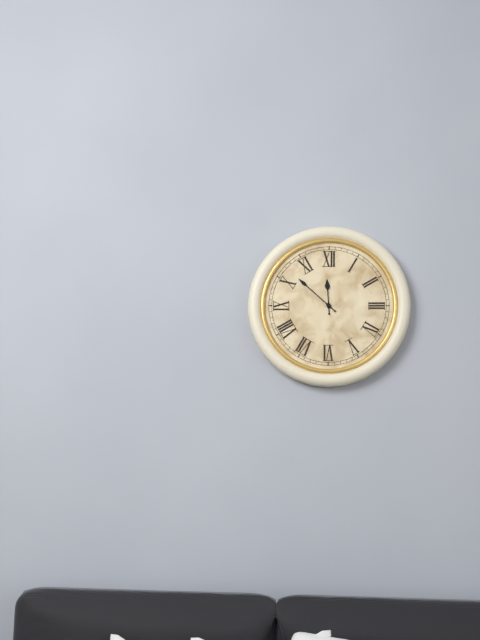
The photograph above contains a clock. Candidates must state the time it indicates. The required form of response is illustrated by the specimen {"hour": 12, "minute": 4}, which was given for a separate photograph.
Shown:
{"hour": 11, "minute": 52}
